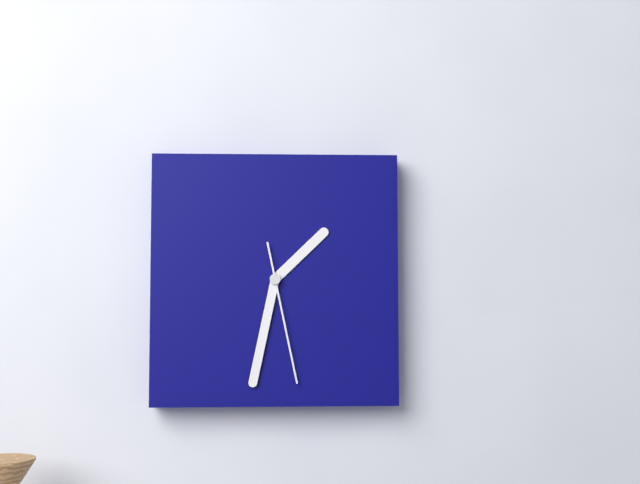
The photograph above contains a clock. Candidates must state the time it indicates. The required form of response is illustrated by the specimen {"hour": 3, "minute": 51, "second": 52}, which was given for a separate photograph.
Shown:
{"hour": 1, "minute": 32, "second": 28}
